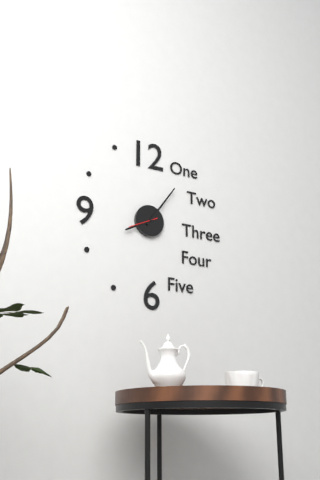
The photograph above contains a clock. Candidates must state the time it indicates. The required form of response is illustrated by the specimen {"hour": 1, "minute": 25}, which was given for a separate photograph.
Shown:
{"hour": 8, "minute": 6}
